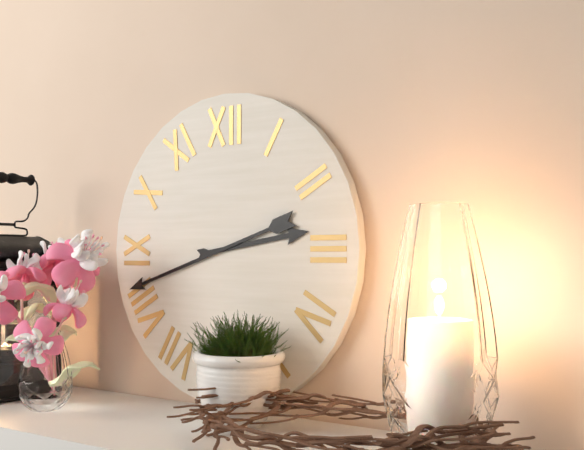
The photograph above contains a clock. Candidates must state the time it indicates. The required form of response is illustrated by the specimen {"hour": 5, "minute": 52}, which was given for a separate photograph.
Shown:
{"hour": 2, "minute": 42}
